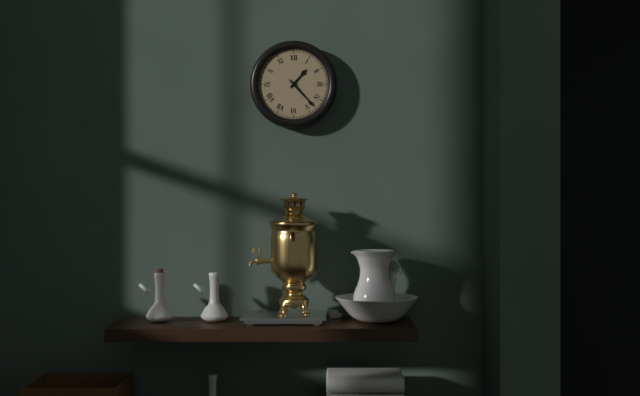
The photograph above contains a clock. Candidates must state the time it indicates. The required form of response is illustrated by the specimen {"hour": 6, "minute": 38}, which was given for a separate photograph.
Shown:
{"hour": 1, "minute": 23}
